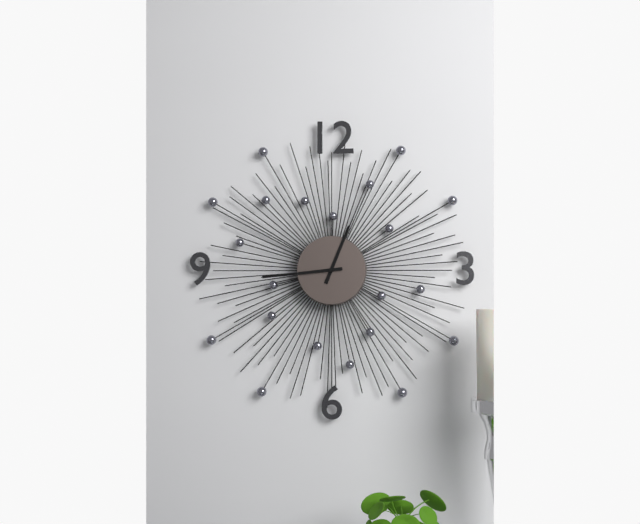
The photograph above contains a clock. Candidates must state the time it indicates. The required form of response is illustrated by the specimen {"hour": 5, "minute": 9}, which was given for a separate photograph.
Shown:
{"hour": 12, "minute": 44}
